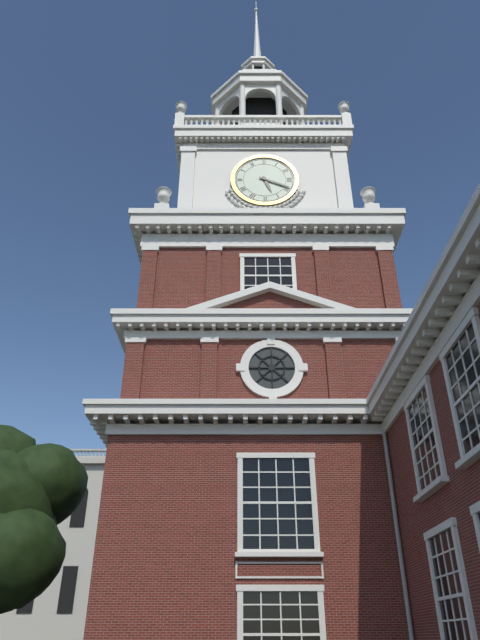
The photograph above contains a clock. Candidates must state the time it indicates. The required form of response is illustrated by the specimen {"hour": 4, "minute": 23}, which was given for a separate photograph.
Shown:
{"hour": 5, "minute": 19}
